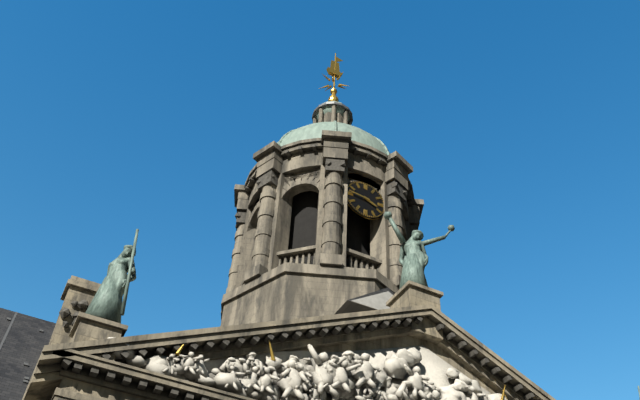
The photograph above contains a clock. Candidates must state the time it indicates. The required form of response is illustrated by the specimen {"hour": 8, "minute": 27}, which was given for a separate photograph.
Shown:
{"hour": 3, "minute": 46}
